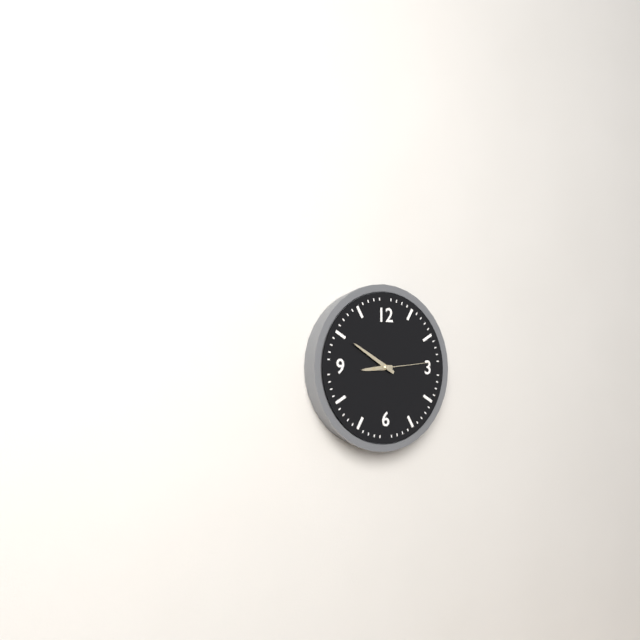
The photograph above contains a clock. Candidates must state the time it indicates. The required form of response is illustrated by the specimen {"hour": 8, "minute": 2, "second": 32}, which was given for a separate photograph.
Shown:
{"hour": 8, "minute": 50, "second": 14}
